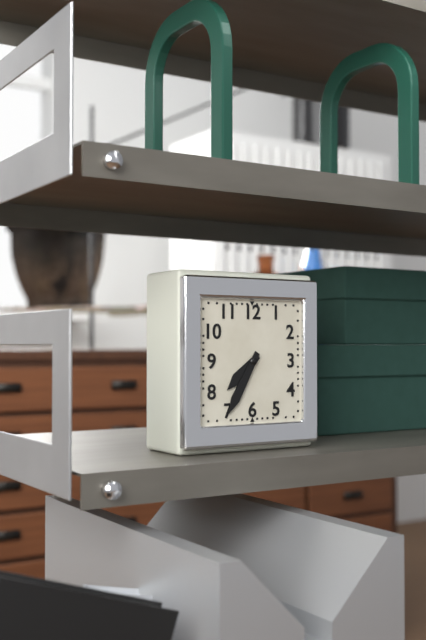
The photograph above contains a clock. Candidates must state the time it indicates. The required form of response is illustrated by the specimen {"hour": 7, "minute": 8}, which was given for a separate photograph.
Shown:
{"hour": 7, "minute": 35}
